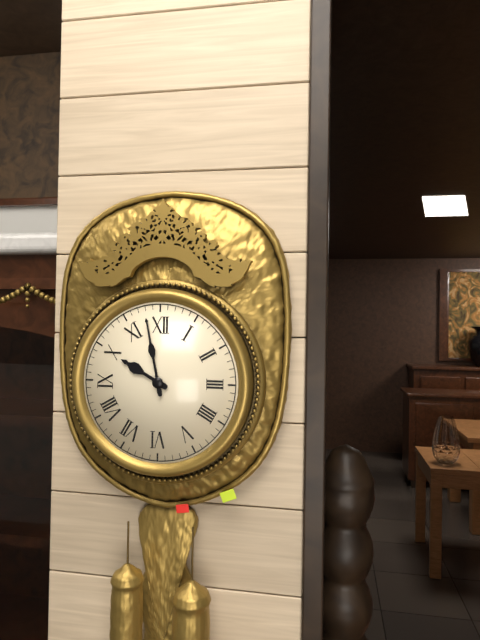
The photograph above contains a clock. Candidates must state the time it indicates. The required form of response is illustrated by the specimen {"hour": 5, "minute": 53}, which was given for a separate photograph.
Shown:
{"hour": 9, "minute": 58}
